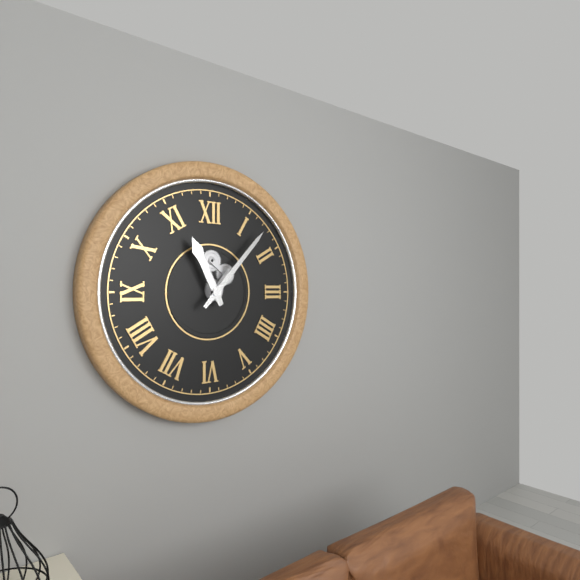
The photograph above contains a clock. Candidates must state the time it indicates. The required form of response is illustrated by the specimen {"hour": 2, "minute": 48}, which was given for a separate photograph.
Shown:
{"hour": 11, "minute": 7}
